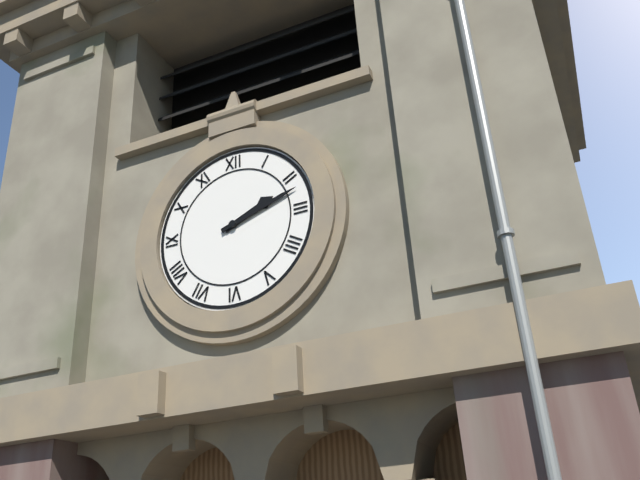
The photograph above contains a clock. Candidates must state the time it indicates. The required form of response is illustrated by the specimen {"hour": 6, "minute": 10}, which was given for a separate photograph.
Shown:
{"hour": 2, "minute": 12}
